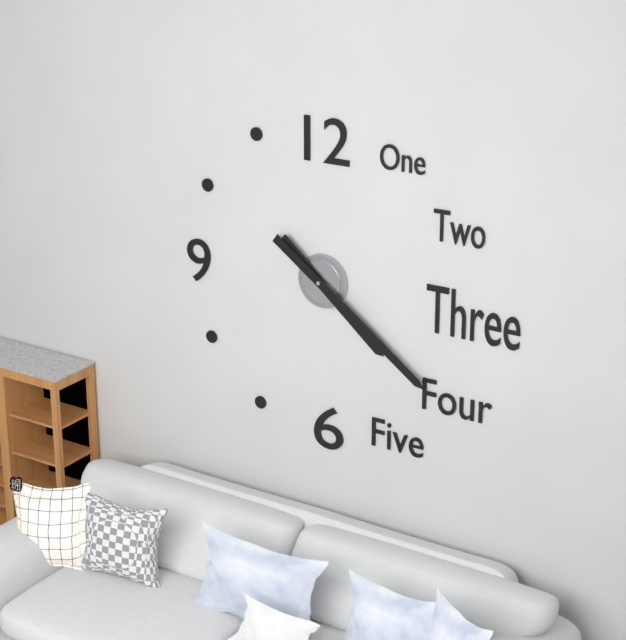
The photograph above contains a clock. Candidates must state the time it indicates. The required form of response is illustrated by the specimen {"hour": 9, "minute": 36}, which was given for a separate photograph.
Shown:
{"hour": 4, "minute": 21}
